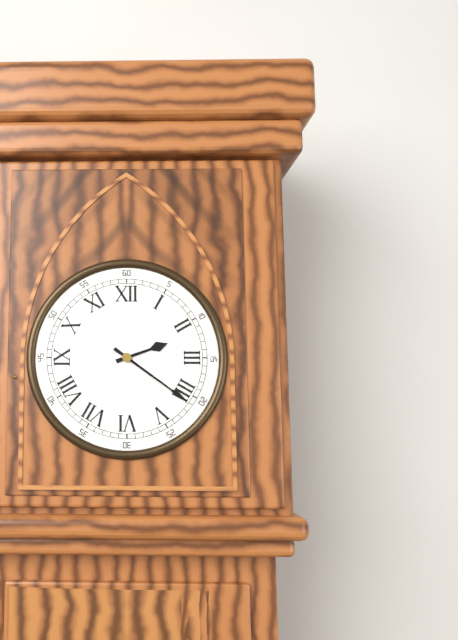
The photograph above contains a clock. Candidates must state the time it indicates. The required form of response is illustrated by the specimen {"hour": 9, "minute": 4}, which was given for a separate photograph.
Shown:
{"hour": 2, "minute": 21}
